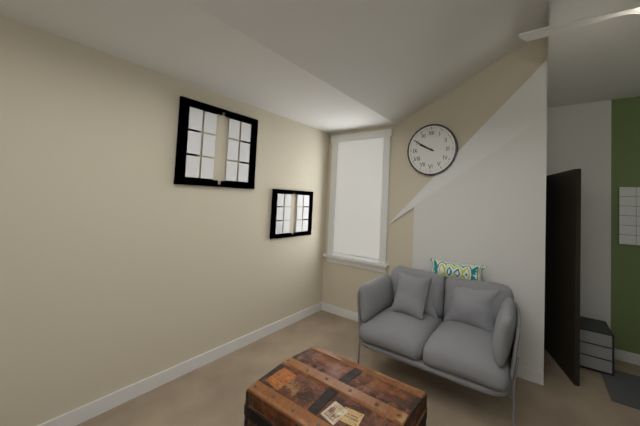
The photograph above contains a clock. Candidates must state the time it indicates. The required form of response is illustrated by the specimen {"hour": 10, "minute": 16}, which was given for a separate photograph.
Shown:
{"hour": 9, "minute": 50}
